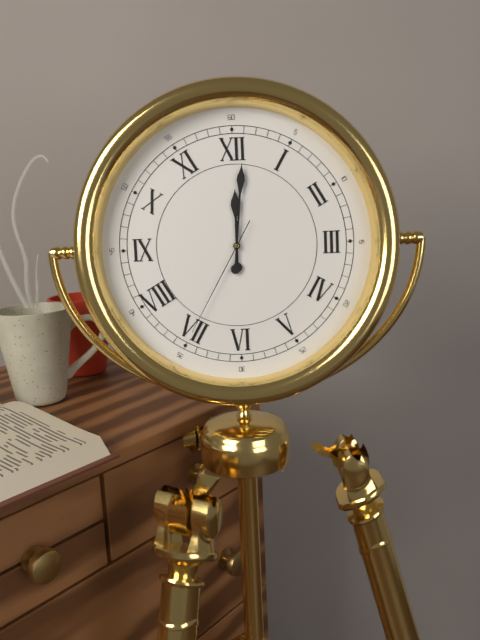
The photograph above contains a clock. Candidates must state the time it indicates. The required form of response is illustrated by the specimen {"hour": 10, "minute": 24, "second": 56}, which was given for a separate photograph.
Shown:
{"hour": 12, "minute": 1, "second": 35}
